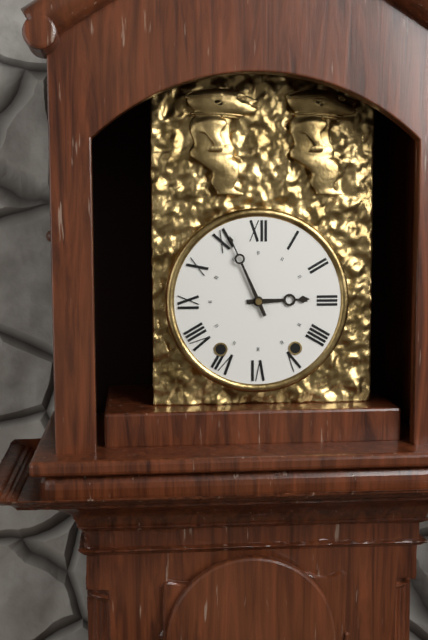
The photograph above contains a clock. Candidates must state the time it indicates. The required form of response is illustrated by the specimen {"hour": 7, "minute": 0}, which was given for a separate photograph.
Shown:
{"hour": 2, "minute": 56}
